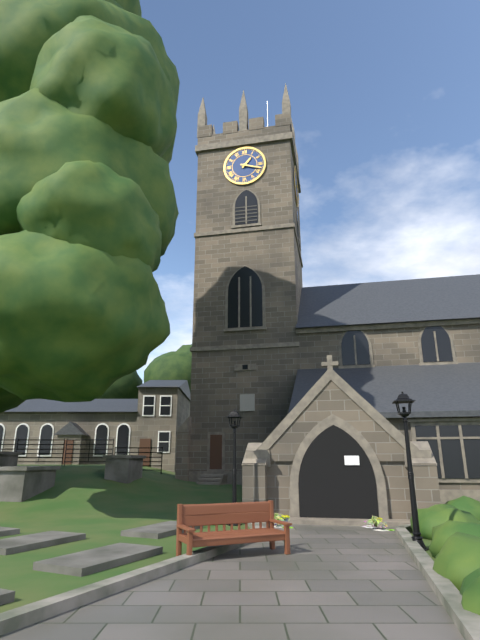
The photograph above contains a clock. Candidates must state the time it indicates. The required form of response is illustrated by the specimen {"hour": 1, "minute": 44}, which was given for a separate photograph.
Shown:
{"hour": 1, "minute": 18}
